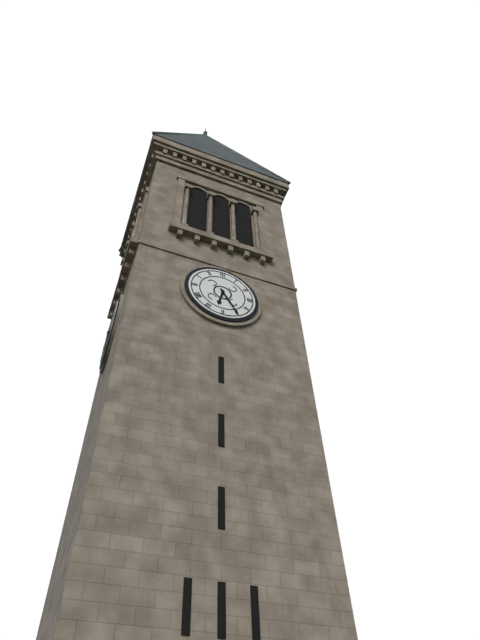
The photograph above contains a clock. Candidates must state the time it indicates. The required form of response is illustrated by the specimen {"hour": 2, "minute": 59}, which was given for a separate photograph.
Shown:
{"hour": 6, "minute": 25}
